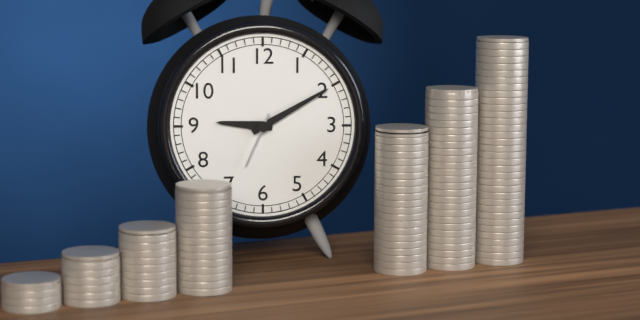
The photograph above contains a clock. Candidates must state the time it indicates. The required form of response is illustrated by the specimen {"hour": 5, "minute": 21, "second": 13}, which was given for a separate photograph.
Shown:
{"hour": 9, "minute": 10, "second": 34}
